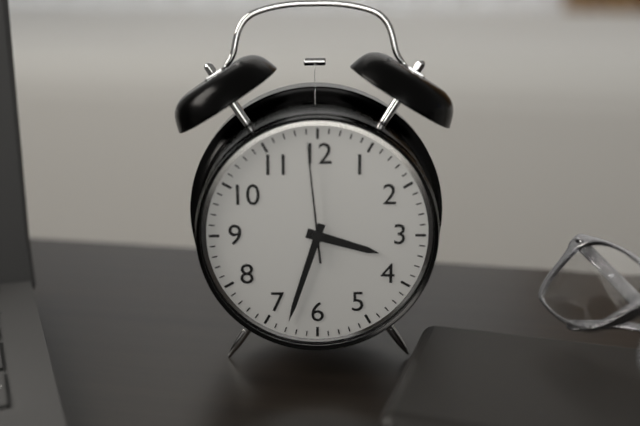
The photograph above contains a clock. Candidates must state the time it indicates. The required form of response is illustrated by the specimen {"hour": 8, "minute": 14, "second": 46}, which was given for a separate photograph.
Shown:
{"hour": 3, "minute": 33, "second": 59}
